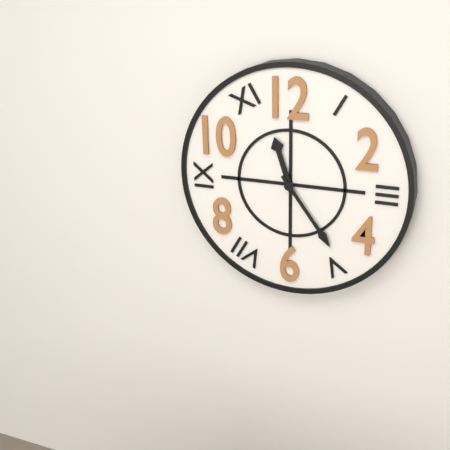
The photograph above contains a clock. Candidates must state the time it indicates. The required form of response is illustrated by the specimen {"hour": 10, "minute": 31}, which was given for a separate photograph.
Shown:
{"hour": 11, "minute": 24}
